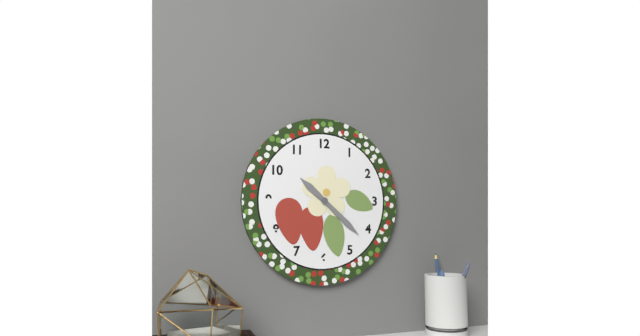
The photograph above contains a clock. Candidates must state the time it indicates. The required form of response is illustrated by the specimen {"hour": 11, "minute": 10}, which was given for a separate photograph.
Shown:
{"hour": 10, "minute": 22}
